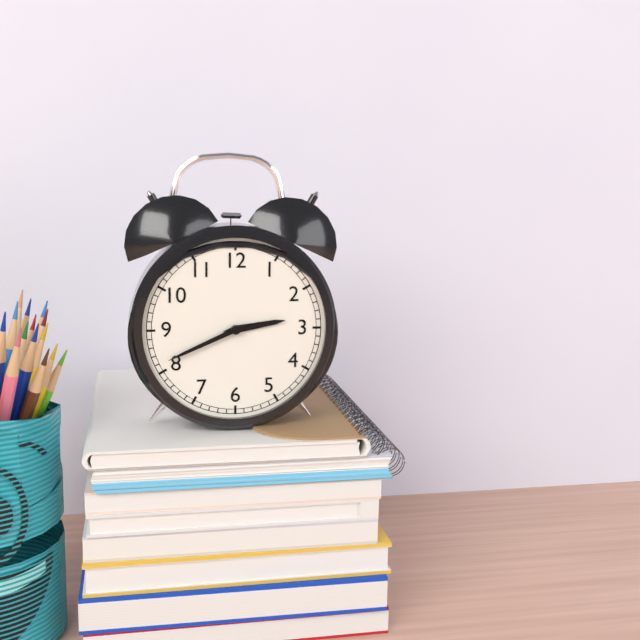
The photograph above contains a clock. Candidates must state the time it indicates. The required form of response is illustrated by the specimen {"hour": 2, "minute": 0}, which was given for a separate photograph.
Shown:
{"hour": 2, "minute": 41}
